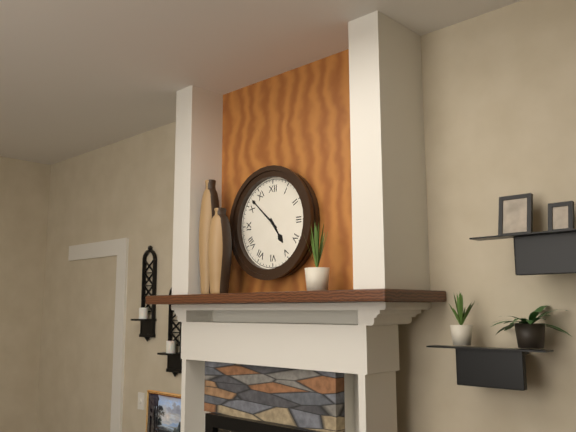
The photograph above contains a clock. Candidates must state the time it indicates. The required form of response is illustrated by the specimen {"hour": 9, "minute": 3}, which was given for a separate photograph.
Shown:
{"hour": 4, "minute": 52}
